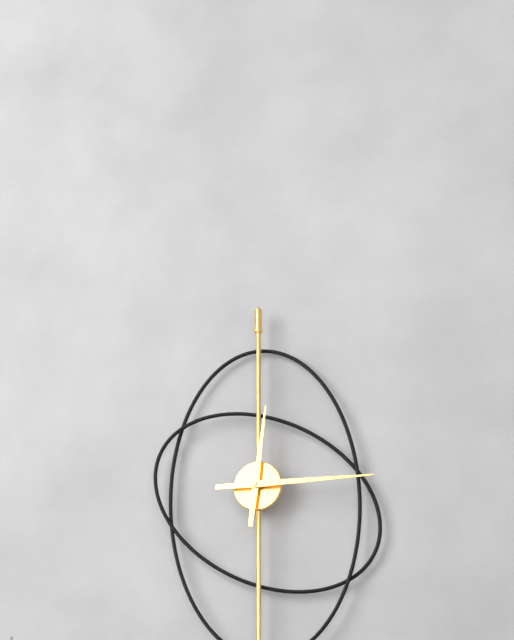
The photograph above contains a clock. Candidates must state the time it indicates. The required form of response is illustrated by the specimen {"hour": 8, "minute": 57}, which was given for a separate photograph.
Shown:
{"hour": 12, "minute": 15}
